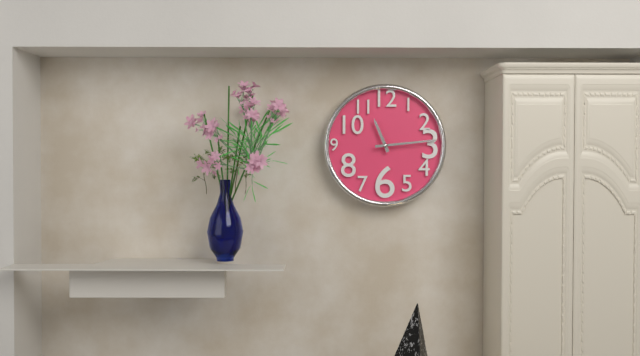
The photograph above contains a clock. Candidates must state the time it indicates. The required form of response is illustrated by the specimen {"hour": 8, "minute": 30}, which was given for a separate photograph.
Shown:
{"hour": 11, "minute": 14}
